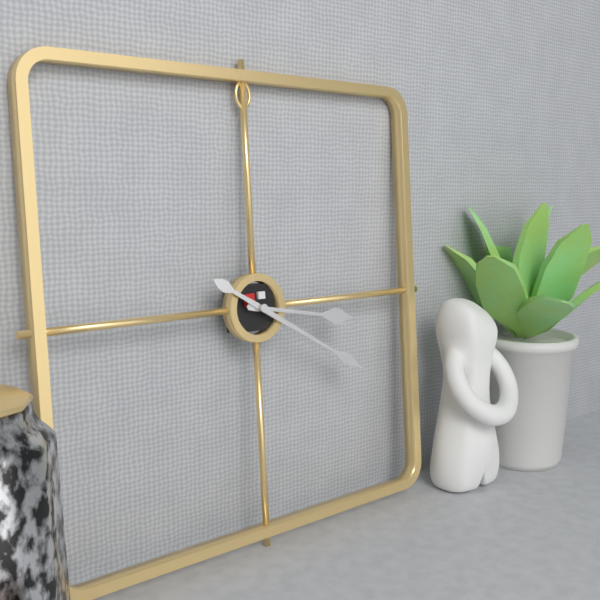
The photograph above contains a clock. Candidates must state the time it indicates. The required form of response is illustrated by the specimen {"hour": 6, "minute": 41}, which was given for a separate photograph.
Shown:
{"hour": 3, "minute": 20}
